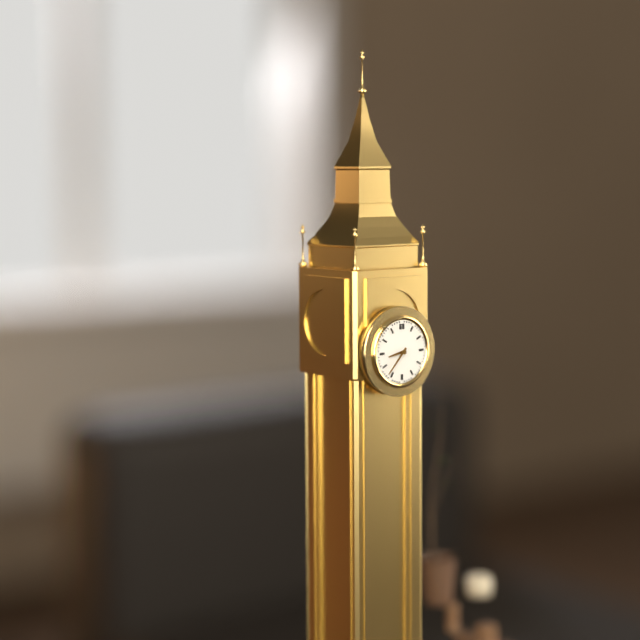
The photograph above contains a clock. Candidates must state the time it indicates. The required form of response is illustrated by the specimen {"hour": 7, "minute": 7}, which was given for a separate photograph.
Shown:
{"hour": 8, "minute": 37}
